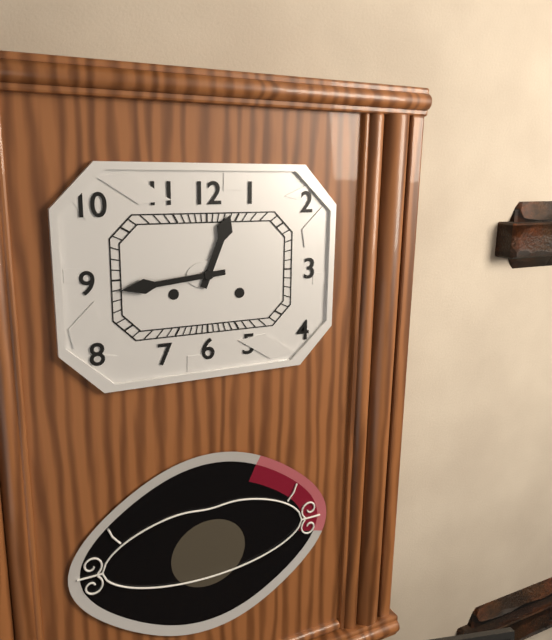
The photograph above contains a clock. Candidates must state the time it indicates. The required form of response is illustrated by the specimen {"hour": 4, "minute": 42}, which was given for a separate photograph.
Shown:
{"hour": 12, "minute": 44}
